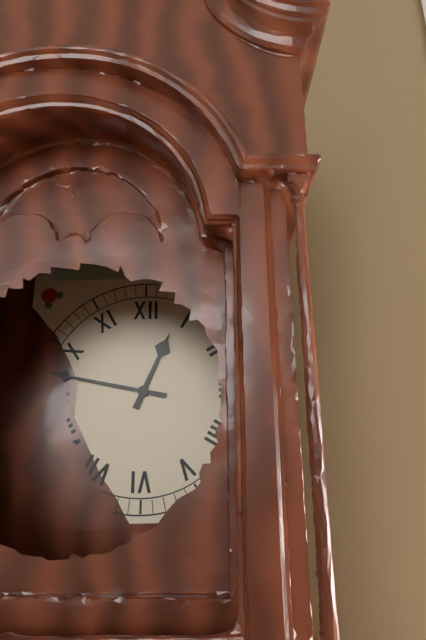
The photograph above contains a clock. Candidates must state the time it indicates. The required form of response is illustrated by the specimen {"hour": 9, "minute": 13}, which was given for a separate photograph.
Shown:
{"hour": 12, "minute": 47}
